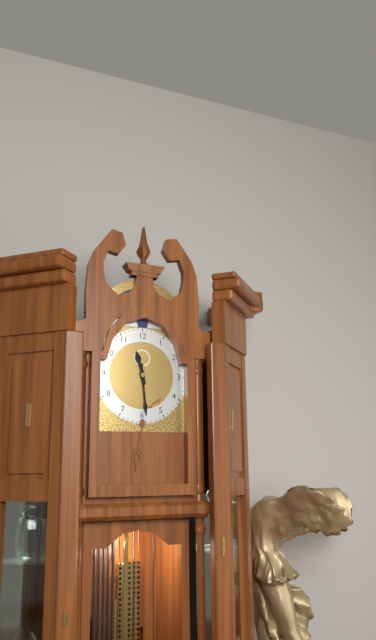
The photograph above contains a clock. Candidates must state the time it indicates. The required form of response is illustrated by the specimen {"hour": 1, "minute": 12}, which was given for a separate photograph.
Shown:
{"hour": 11, "minute": 29}
